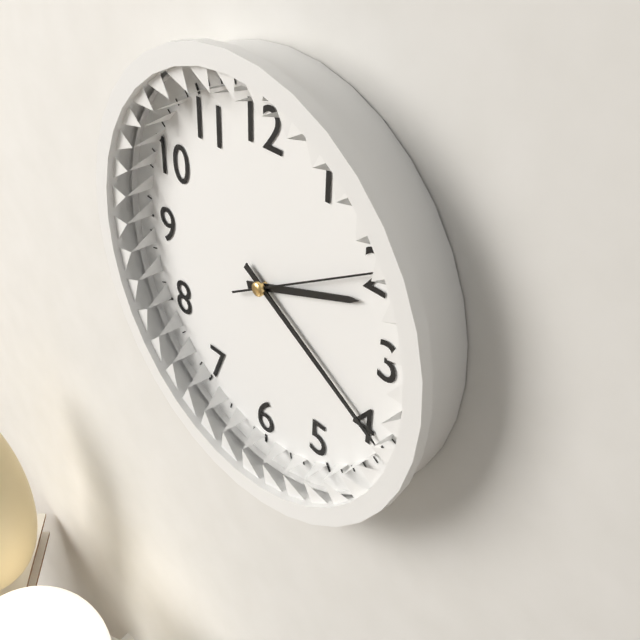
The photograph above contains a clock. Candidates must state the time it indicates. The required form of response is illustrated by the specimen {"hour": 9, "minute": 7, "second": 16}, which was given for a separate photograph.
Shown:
{"hour": 2, "minute": 20, "second": 10}
